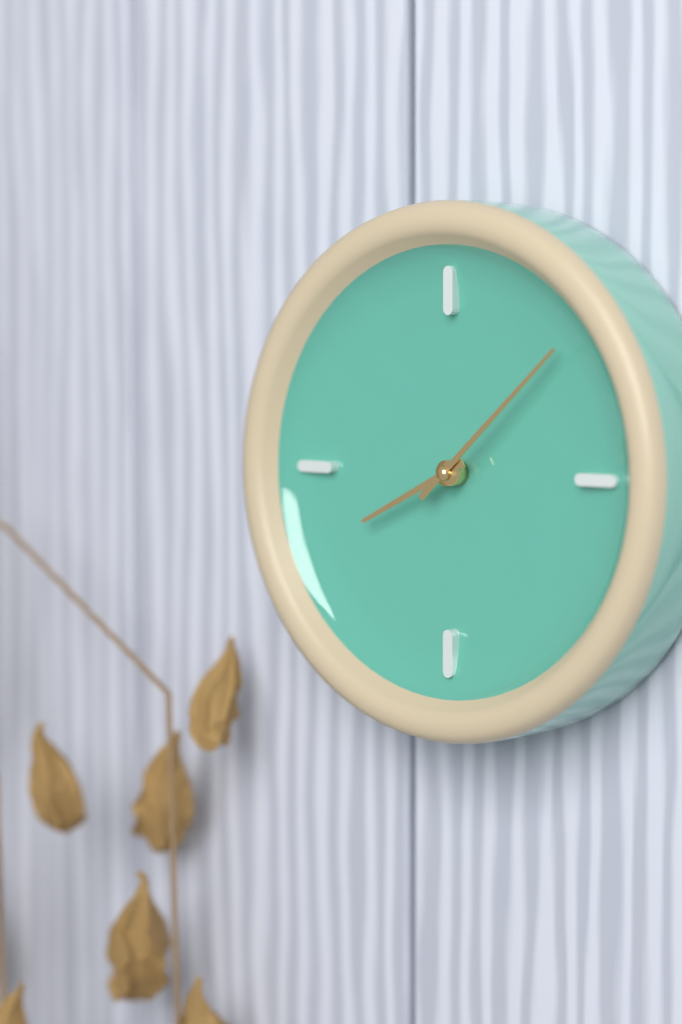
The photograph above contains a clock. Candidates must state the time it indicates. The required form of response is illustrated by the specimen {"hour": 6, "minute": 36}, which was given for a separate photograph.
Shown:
{"hour": 8, "minute": 8}
